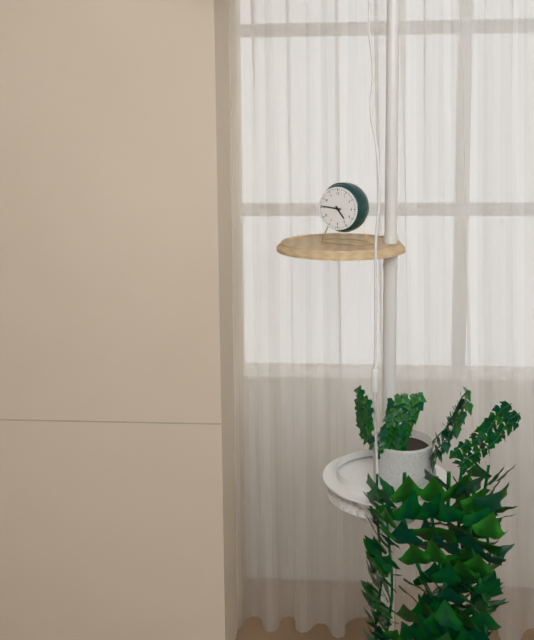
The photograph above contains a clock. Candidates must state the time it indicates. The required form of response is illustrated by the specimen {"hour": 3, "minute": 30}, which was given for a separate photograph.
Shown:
{"hour": 4, "minute": 46}
